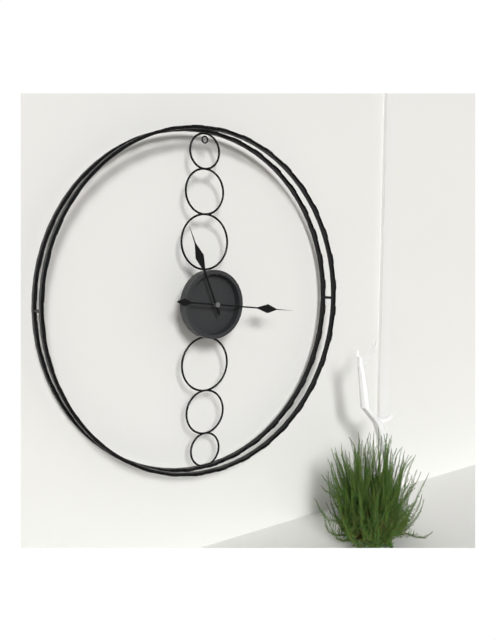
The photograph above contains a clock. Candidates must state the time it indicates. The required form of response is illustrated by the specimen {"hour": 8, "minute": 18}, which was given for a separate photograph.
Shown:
{"hour": 11, "minute": 16}
